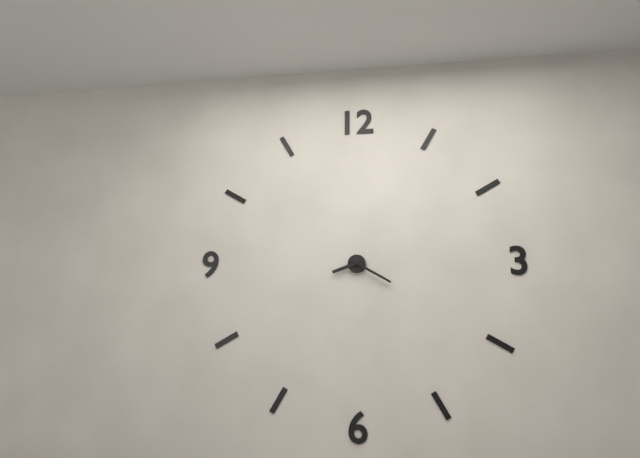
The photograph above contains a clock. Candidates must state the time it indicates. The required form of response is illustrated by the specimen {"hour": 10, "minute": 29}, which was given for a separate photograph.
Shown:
{"hour": 8, "minute": 20}
